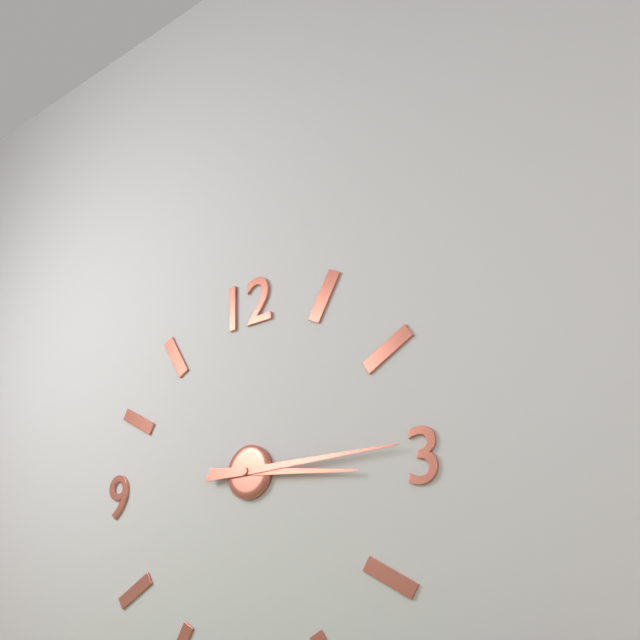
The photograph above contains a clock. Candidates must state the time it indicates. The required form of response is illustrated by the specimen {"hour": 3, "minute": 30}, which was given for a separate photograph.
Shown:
{"hour": 3, "minute": 15}
